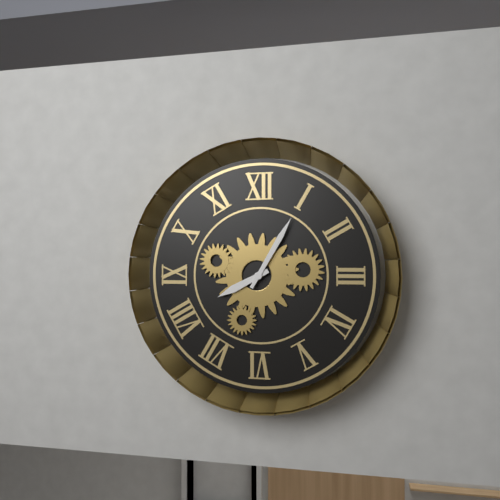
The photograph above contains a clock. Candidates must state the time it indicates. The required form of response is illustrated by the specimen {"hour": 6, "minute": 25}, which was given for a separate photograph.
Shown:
{"hour": 8, "minute": 5}
